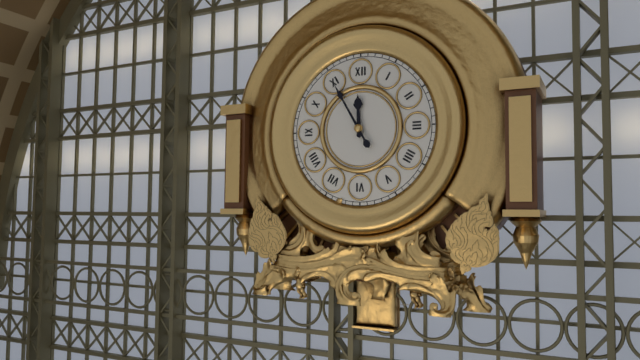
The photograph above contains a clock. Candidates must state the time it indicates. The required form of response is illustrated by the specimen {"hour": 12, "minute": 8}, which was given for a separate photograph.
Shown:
{"hour": 11, "minute": 55}
